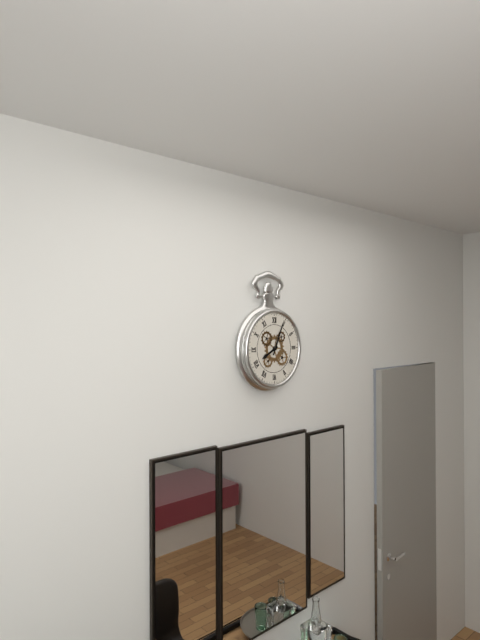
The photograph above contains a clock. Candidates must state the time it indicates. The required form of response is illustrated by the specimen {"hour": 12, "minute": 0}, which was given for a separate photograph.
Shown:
{"hour": 8, "minute": 4}
